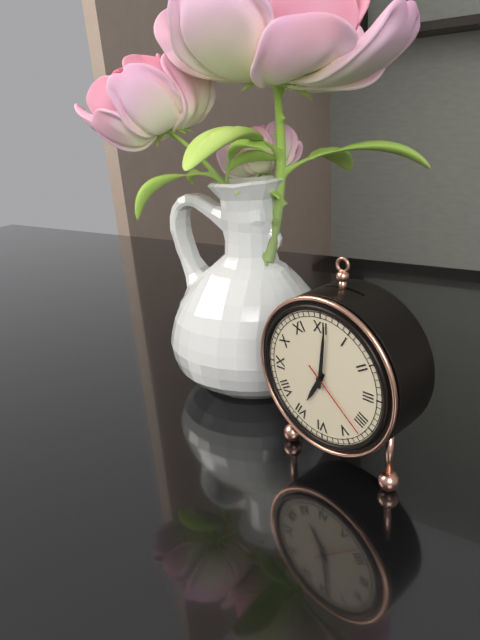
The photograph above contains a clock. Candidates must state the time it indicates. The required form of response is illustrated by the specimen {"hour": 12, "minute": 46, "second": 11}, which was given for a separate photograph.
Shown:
{"hour": 7, "minute": 1, "second": 22}
